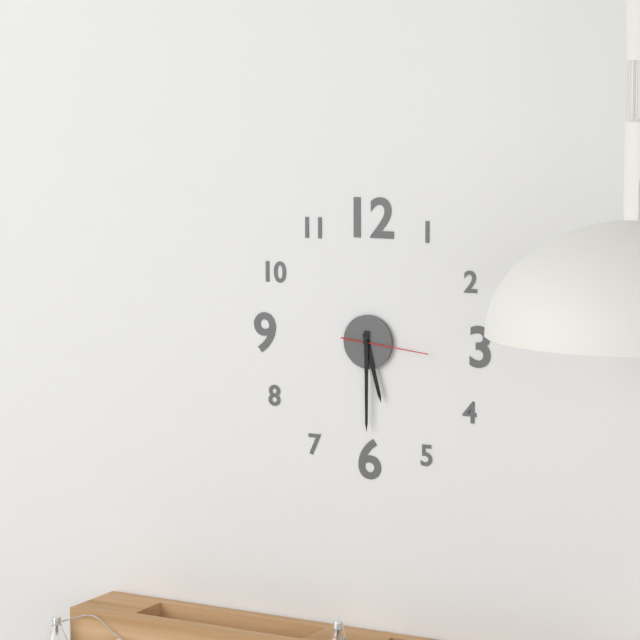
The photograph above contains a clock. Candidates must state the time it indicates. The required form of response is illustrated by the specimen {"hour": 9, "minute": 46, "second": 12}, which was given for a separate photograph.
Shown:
{"hour": 5, "minute": 30, "second": 16}
